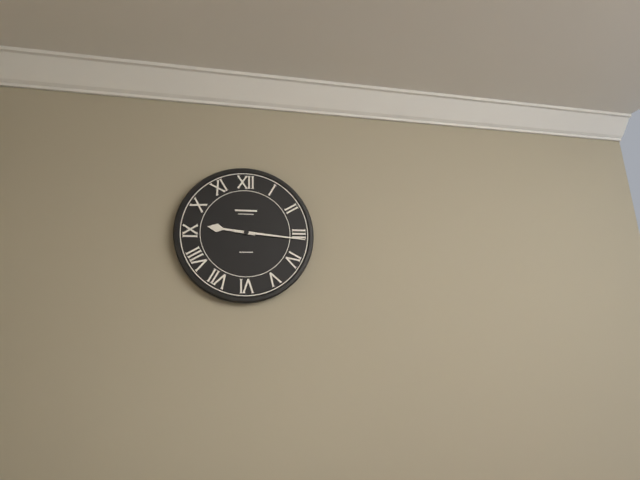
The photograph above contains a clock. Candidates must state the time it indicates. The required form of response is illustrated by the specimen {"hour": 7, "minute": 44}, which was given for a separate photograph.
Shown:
{"hour": 9, "minute": 16}
